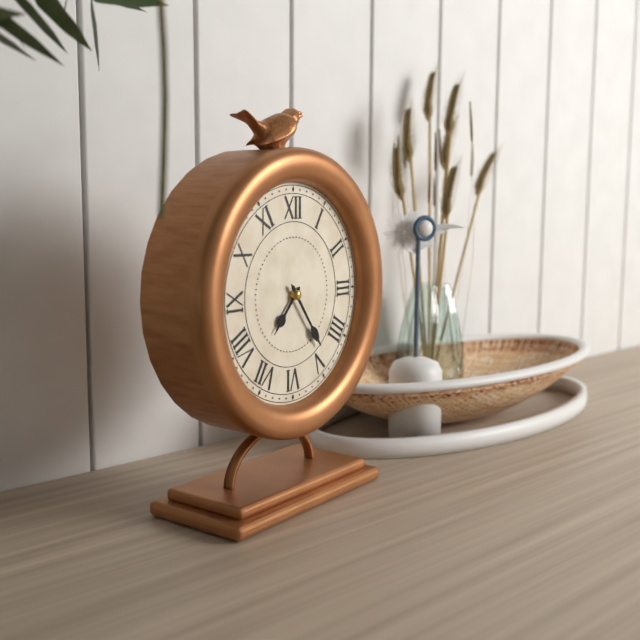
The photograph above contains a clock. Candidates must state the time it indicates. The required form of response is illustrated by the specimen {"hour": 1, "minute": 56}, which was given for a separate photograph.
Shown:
{"hour": 7, "minute": 24}
